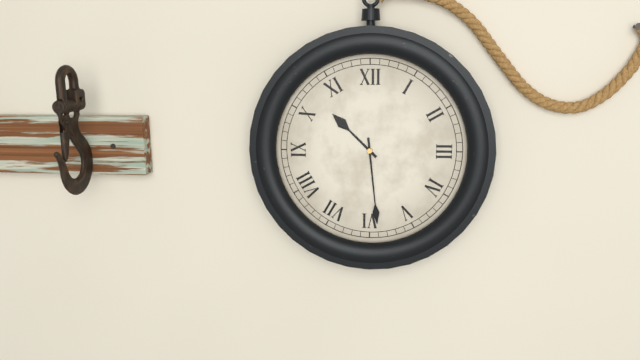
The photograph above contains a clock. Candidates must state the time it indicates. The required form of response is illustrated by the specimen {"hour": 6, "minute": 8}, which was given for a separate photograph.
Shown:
{"hour": 10, "minute": 29}
